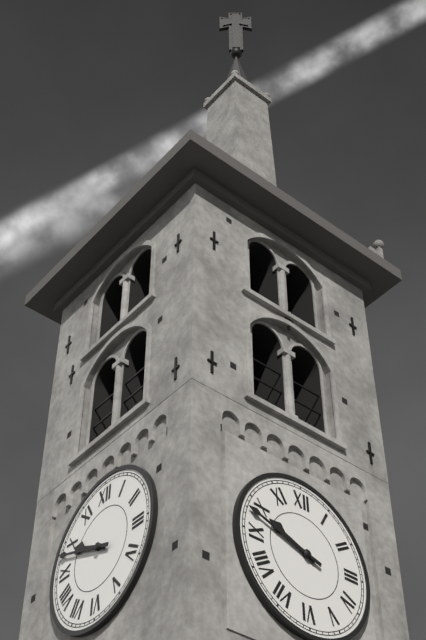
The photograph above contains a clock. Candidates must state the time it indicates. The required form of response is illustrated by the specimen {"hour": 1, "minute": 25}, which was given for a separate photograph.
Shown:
{"hour": 9, "minute": 48}
